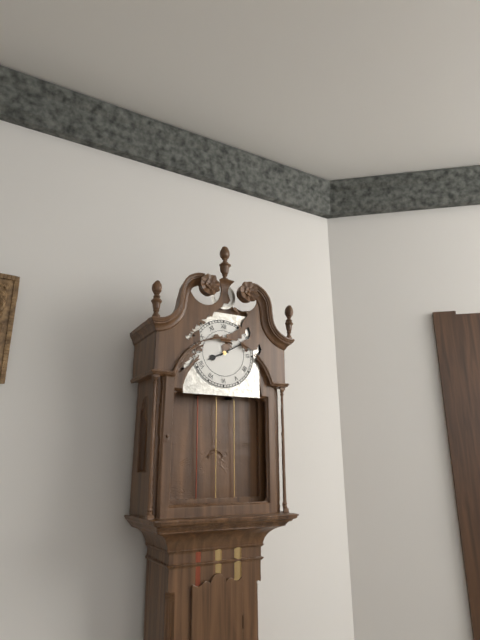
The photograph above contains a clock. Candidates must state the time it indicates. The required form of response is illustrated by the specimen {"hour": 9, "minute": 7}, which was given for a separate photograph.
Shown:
{"hour": 8, "minute": 10}
